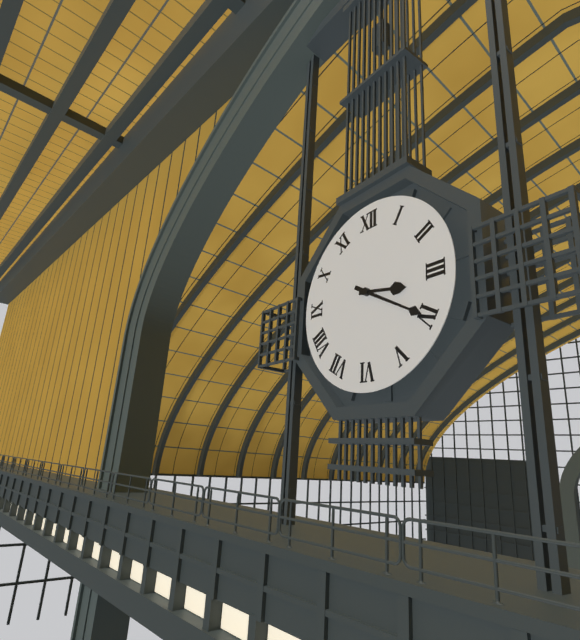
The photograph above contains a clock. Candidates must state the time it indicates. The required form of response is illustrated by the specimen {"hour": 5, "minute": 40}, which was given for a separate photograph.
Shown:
{"hour": 3, "minute": 20}
